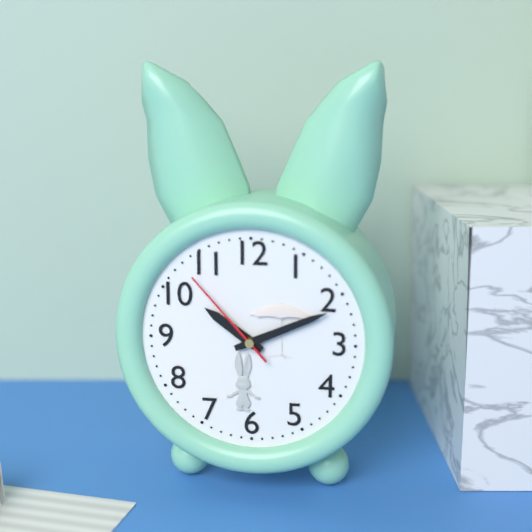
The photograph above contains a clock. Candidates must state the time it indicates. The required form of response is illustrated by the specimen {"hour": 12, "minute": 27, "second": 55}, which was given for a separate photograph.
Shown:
{"hour": 10, "minute": 11, "second": 53}
